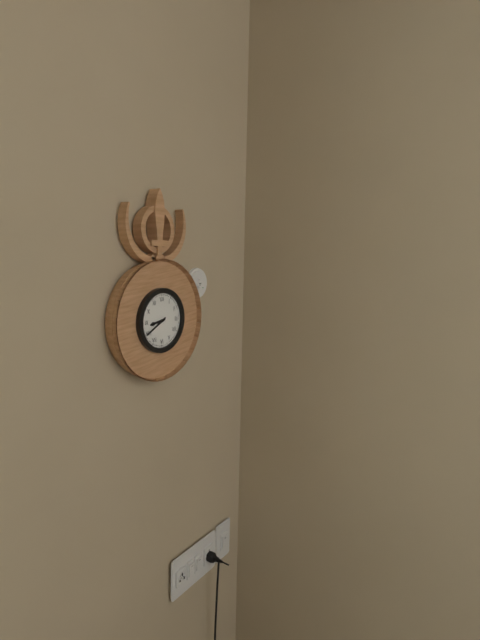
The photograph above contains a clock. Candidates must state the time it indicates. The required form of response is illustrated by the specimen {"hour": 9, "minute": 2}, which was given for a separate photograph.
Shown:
{"hour": 8, "minute": 40}
